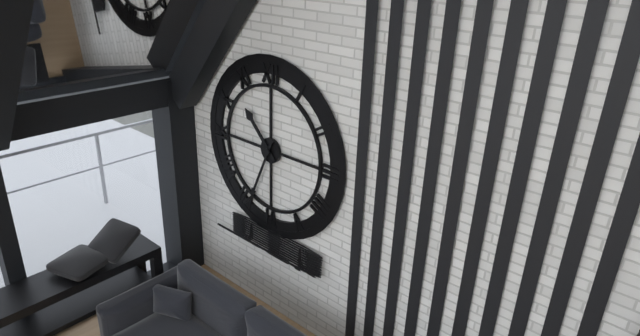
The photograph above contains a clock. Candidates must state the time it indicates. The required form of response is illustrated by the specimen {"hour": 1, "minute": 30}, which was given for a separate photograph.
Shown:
{"hour": 10, "minute": 34}
